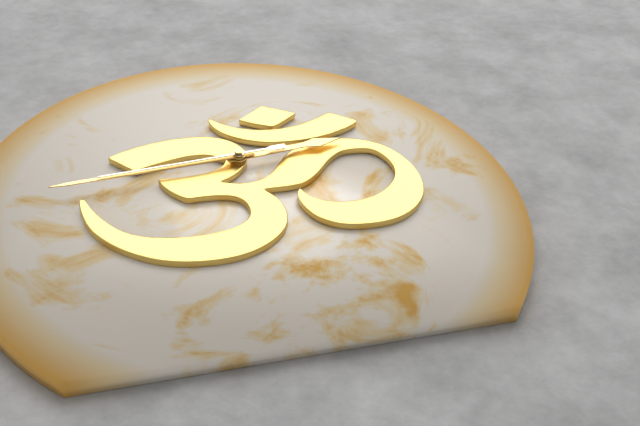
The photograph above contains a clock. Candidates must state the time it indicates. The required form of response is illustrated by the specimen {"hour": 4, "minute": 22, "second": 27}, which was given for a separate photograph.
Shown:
{"hour": 2, "minute": 44, "second": 44}
